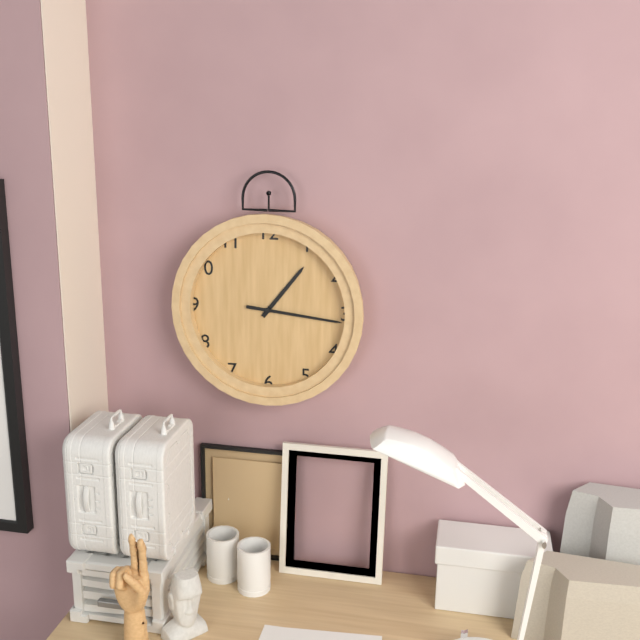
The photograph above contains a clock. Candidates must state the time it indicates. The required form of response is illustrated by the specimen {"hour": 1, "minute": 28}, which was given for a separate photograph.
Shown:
{"hour": 1, "minute": 16}
